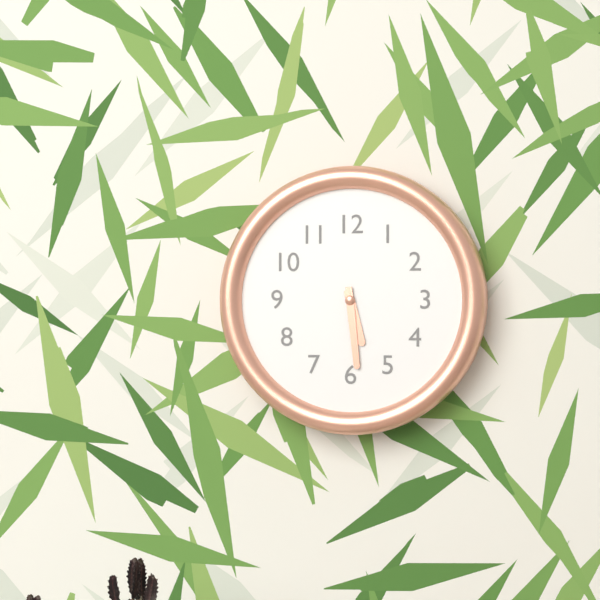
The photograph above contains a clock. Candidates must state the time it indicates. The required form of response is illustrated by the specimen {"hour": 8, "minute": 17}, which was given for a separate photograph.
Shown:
{"hour": 5, "minute": 29}
